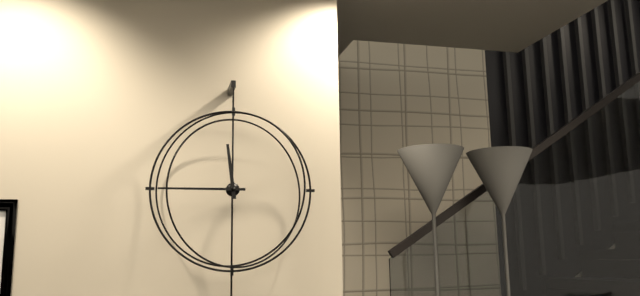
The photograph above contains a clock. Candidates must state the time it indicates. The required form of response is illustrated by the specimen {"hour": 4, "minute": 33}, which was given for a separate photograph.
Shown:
{"hour": 11, "minute": 45}
